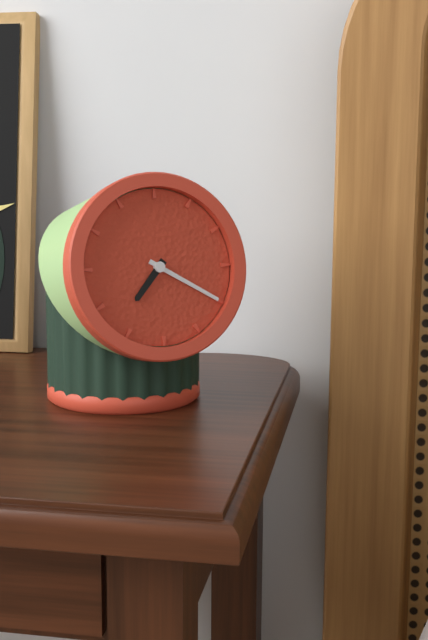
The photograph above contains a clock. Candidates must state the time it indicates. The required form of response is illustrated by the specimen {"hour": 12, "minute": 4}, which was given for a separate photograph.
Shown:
{"hour": 7, "minute": 20}
